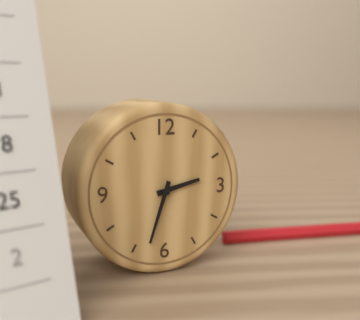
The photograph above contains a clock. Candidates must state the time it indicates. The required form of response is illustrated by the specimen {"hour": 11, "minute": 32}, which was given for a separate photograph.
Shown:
{"hour": 2, "minute": 33}
